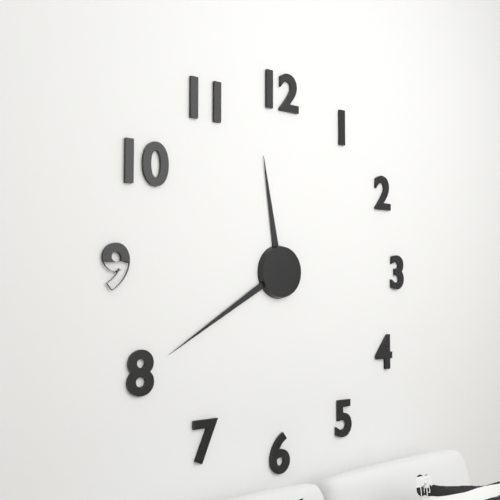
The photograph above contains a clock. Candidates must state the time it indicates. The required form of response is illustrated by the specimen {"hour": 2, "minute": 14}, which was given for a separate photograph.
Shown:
{"hour": 11, "minute": 40}
